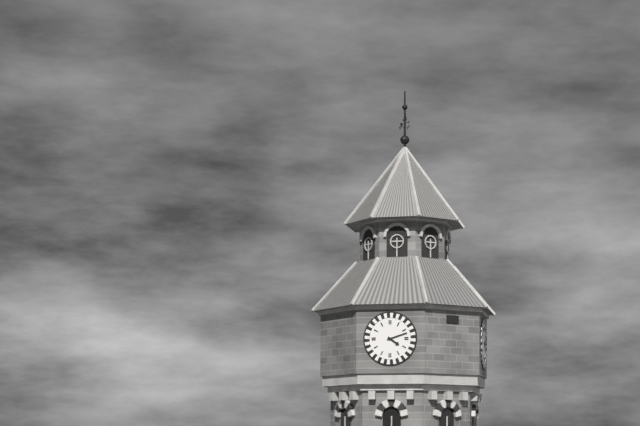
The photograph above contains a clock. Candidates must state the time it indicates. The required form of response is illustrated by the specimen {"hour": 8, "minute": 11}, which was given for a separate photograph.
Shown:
{"hour": 4, "minute": 12}
